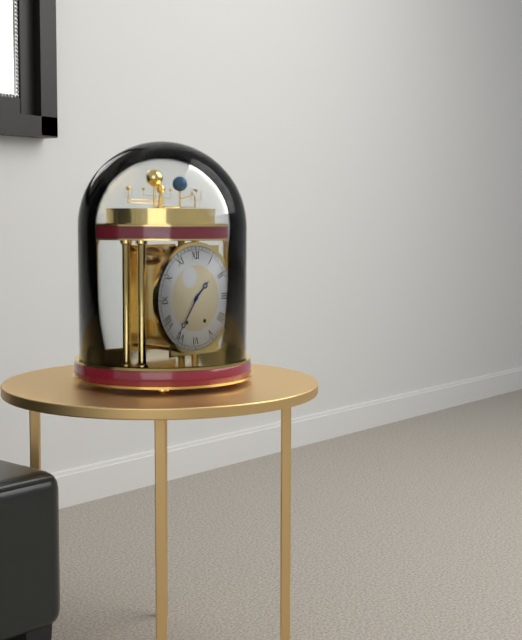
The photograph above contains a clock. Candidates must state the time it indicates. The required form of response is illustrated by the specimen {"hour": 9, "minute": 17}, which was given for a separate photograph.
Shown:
{"hour": 1, "minute": 36}
